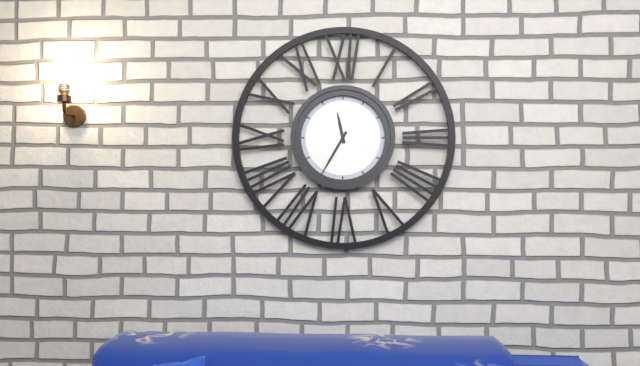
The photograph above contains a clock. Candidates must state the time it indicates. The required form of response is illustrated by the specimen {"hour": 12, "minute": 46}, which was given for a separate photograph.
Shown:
{"hour": 11, "minute": 35}
